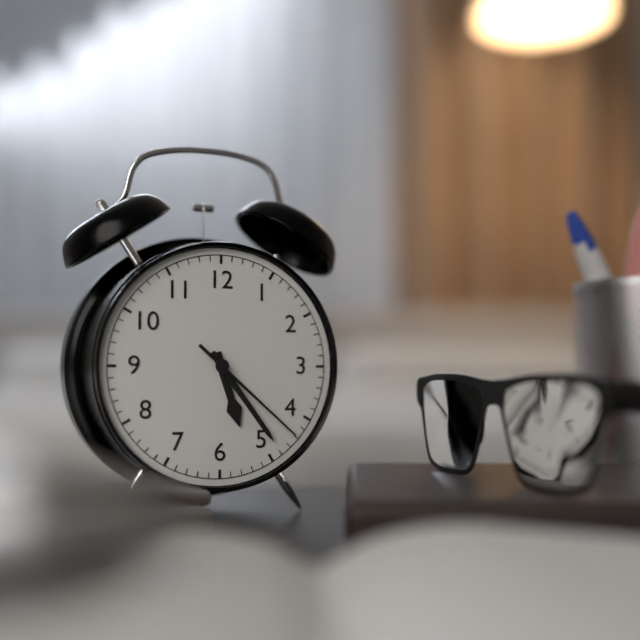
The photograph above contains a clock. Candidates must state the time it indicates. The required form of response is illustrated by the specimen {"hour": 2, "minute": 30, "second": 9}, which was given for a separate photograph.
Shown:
{"hour": 5, "minute": 24, "second": 22}
